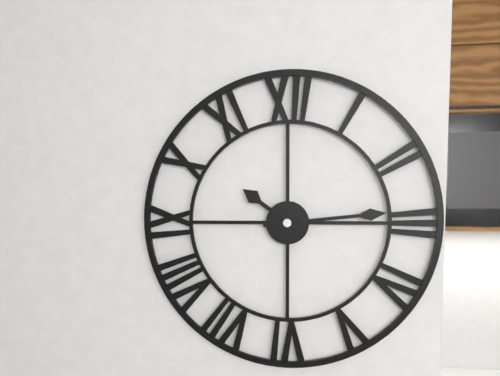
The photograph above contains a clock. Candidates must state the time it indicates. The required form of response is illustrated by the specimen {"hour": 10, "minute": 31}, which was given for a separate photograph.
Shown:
{"hour": 10, "minute": 14}
